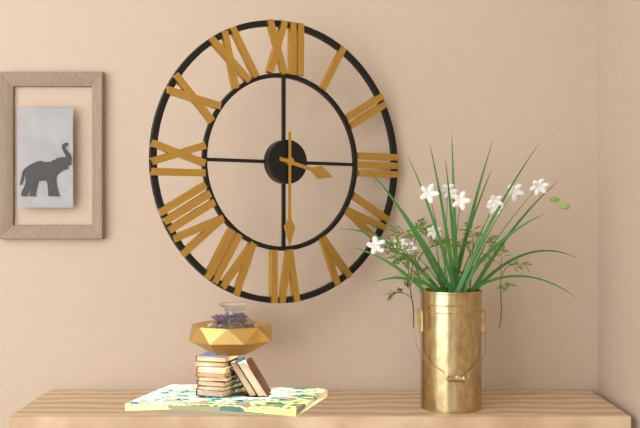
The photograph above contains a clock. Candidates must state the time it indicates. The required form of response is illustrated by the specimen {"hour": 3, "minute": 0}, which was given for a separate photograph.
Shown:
{"hour": 3, "minute": 30}
